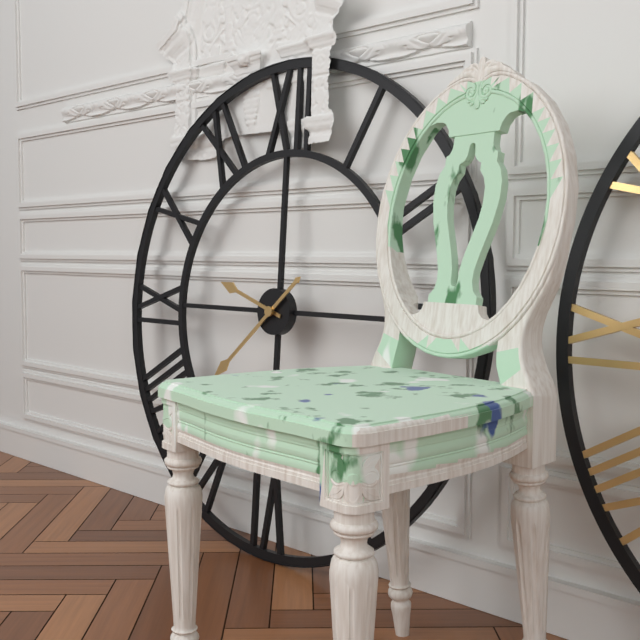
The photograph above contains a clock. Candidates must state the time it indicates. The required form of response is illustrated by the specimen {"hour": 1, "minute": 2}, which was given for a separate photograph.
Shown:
{"hour": 9, "minute": 38}
